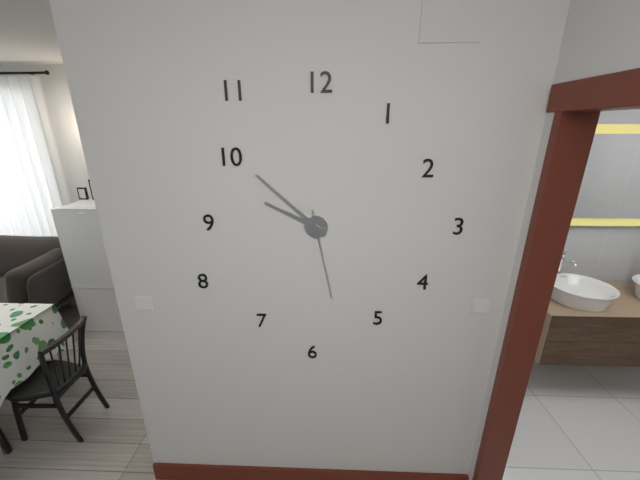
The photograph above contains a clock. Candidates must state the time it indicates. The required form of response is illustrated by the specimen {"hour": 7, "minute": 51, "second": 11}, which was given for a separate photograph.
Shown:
{"hour": 9, "minute": 52, "second": 28}
